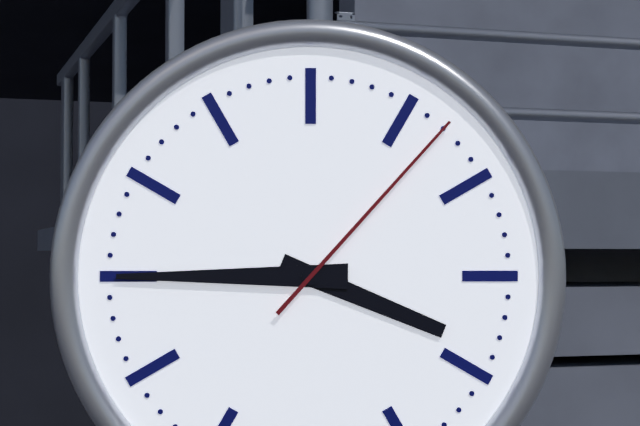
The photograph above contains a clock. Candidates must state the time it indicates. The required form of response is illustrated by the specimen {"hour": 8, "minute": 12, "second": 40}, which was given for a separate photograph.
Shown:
{"hour": 3, "minute": 45, "second": 7}
